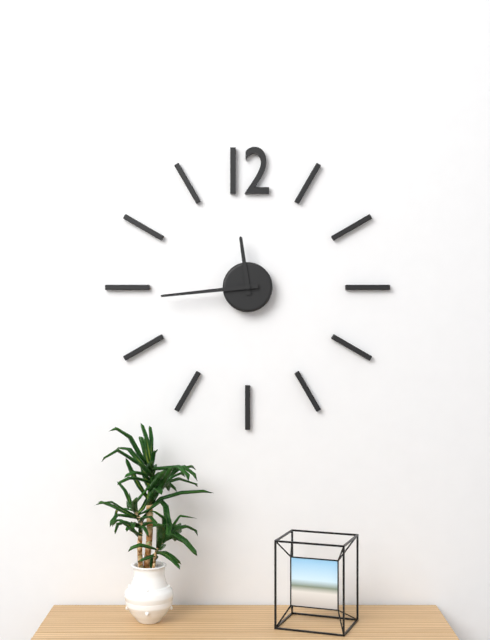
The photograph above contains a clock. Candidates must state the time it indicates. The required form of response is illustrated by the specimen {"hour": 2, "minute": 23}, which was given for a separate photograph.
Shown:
{"hour": 11, "minute": 44}
